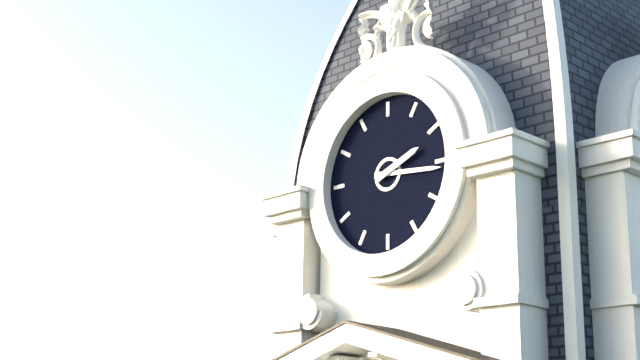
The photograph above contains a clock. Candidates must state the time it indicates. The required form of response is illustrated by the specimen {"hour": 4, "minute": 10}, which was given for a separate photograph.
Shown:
{"hour": 2, "minute": 16}
